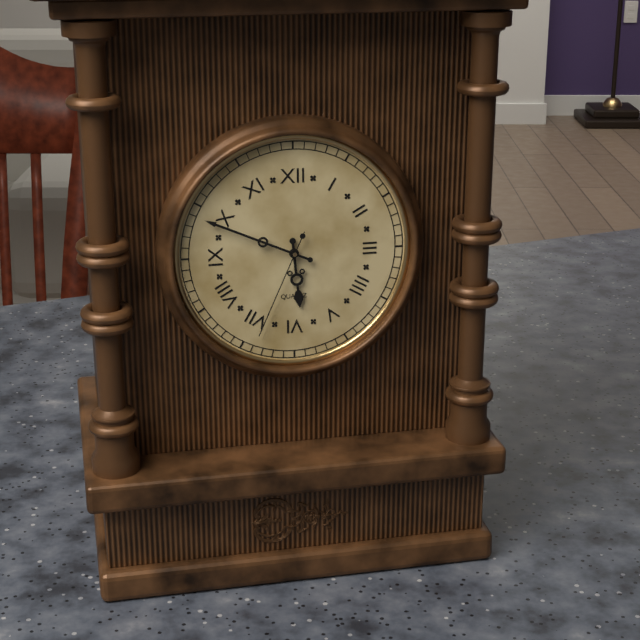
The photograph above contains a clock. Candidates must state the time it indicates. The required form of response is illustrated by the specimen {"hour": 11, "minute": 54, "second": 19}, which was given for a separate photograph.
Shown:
{"hour": 5, "minute": 49, "second": 34}
